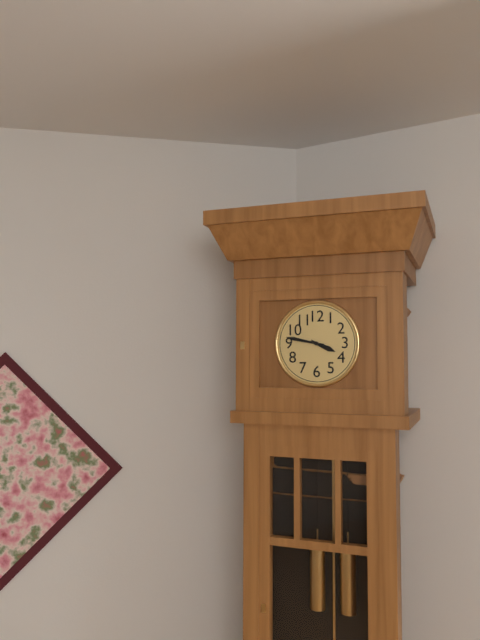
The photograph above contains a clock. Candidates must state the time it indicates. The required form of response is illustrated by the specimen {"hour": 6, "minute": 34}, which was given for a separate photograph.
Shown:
{"hour": 3, "minute": 47}
